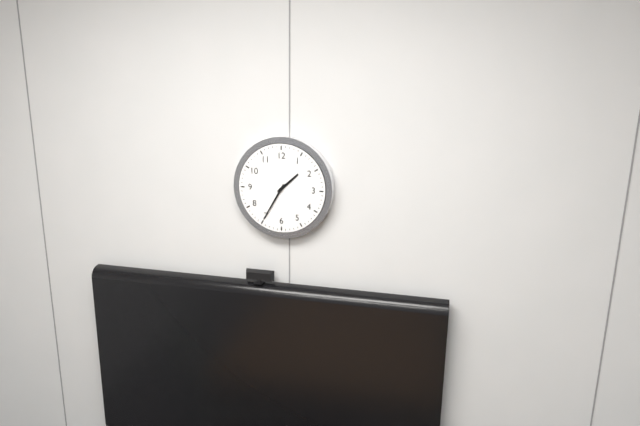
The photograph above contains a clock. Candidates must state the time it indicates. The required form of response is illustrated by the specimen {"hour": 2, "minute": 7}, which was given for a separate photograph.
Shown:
{"hour": 1, "minute": 35}
